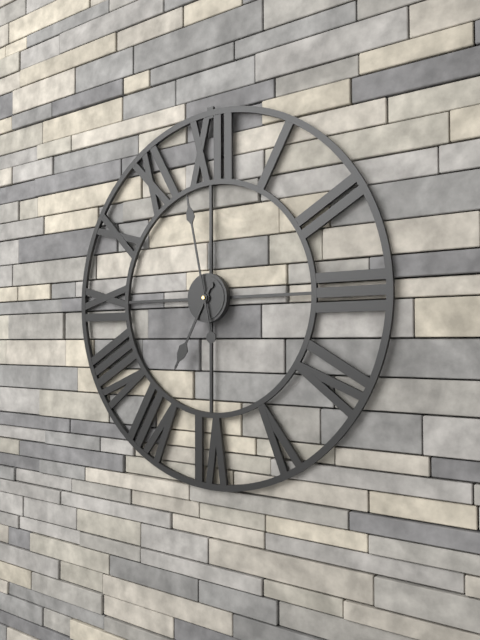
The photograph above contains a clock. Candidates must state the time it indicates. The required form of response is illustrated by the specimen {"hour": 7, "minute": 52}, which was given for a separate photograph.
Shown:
{"hour": 6, "minute": 58}
